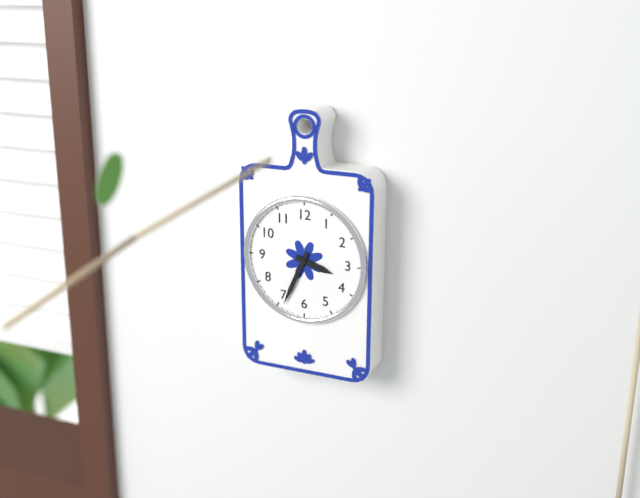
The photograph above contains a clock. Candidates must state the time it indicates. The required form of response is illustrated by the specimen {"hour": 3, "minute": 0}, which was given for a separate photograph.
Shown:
{"hour": 3, "minute": 34}
